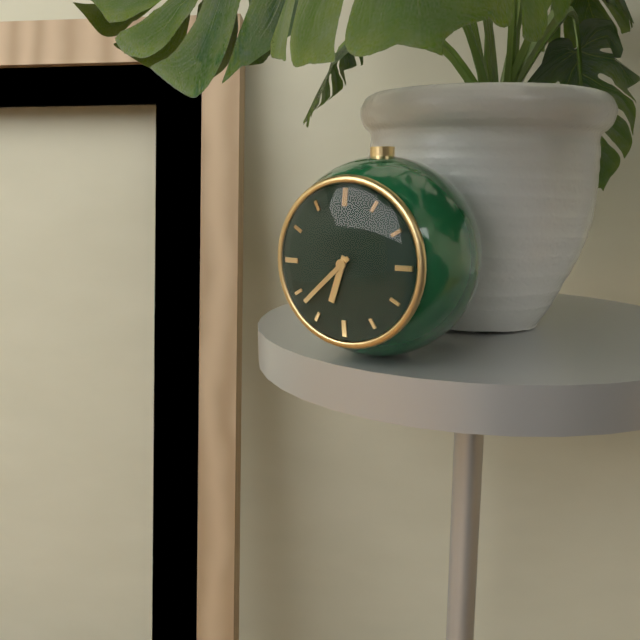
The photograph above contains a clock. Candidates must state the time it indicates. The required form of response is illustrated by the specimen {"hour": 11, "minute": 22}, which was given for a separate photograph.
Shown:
{"hour": 6, "minute": 38}
